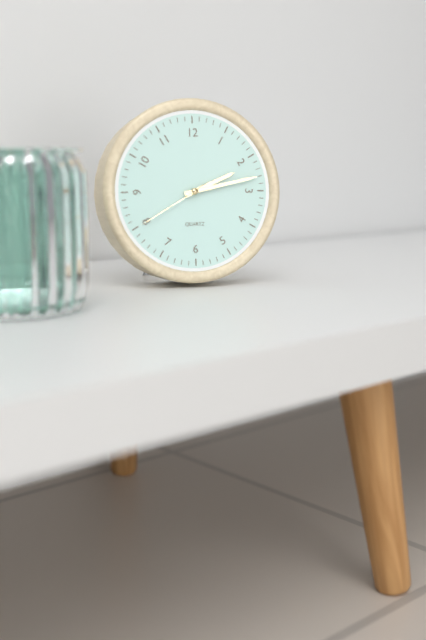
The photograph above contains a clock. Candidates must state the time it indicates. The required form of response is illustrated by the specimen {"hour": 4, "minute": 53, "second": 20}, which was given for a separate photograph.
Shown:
{"hour": 2, "minute": 13, "second": 40}
